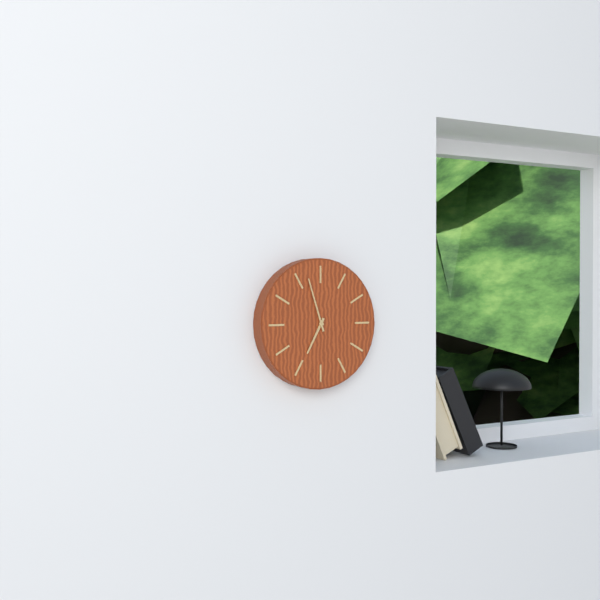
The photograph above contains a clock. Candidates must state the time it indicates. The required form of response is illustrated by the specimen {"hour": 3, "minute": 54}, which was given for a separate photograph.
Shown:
{"hour": 6, "minute": 57}
